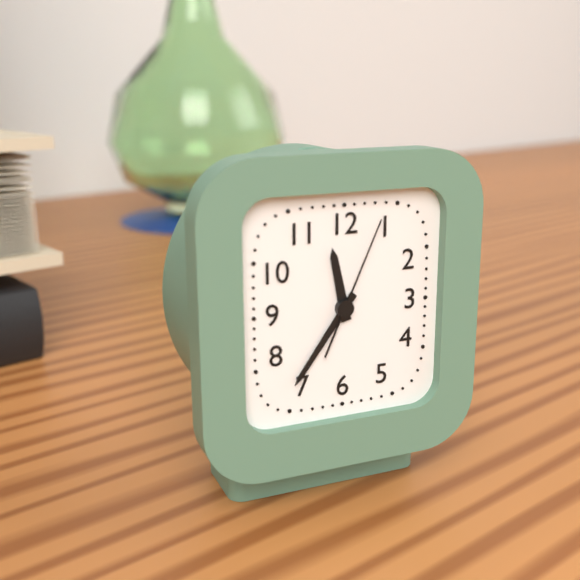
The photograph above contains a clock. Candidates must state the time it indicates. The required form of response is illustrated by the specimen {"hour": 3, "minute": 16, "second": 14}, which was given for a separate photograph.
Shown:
{"hour": 11, "minute": 36, "second": 4}
